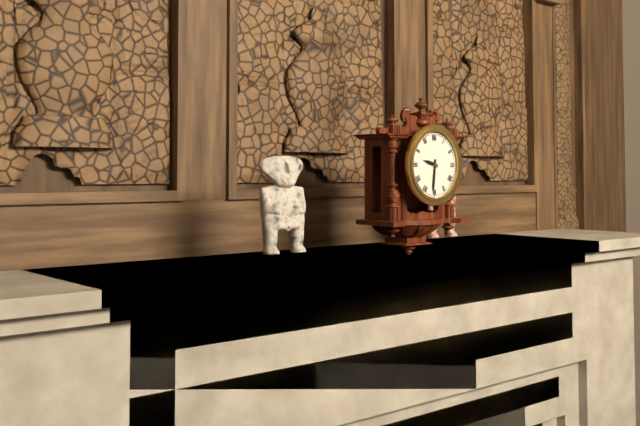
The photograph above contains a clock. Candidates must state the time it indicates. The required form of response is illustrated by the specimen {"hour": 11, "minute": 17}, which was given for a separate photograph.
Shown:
{"hour": 9, "minute": 31}
